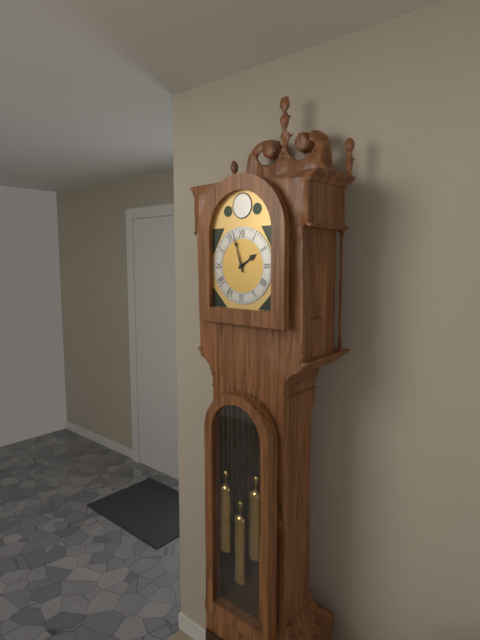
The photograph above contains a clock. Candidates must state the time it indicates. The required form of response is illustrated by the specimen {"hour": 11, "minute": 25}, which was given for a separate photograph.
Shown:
{"hour": 1, "minute": 57}
